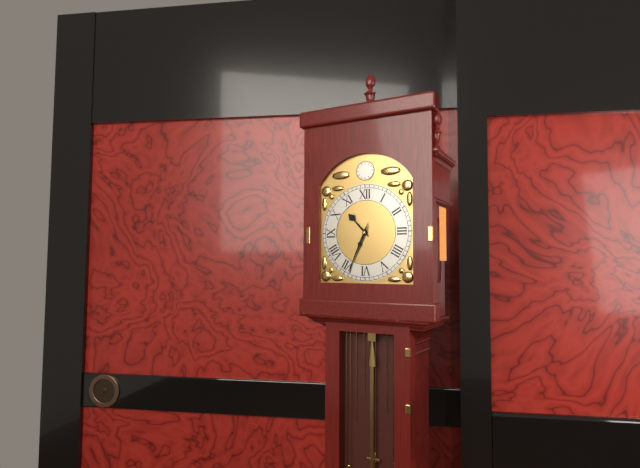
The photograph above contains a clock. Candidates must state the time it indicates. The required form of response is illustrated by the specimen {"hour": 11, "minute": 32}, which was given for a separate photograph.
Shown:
{"hour": 10, "minute": 34}
